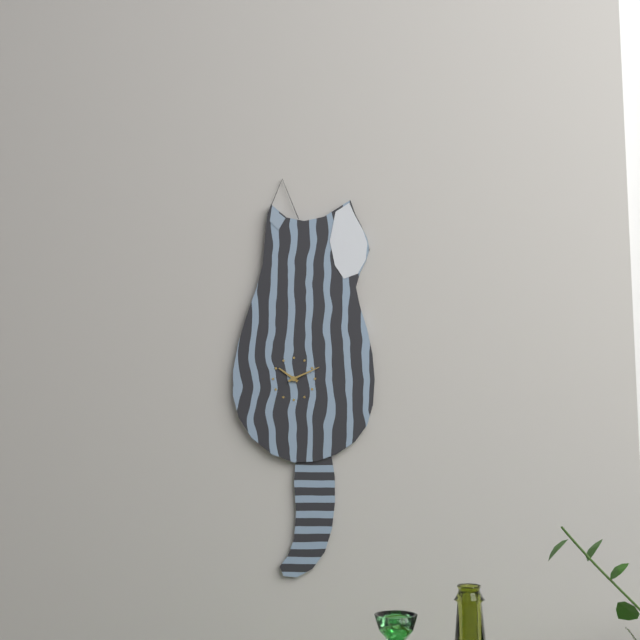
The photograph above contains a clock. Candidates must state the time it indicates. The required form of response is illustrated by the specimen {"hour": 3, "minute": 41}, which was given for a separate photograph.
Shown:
{"hour": 10, "minute": 11}
